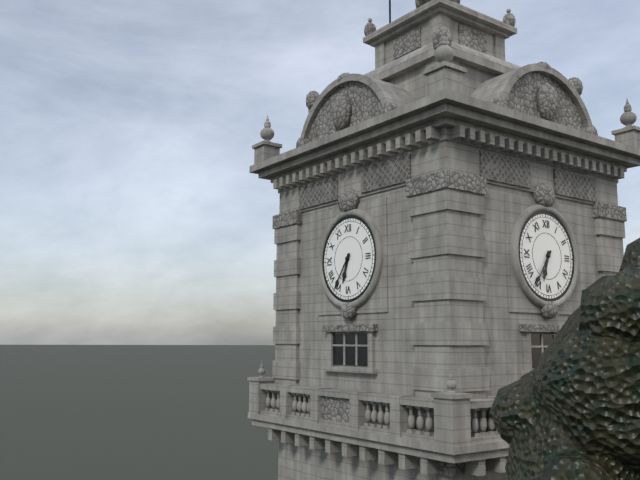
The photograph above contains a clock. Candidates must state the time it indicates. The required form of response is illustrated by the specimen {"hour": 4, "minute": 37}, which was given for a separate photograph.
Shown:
{"hour": 6, "minute": 36}
